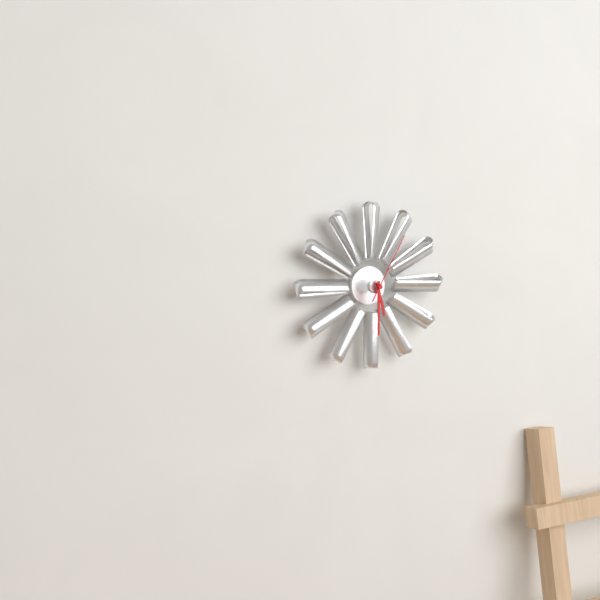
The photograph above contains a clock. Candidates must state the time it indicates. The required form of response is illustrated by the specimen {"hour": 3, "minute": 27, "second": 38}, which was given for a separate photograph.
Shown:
{"hour": 5, "minute": 30, "second": 5}
